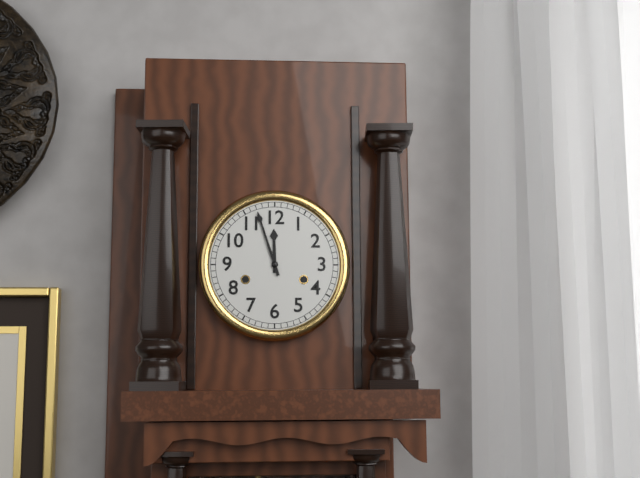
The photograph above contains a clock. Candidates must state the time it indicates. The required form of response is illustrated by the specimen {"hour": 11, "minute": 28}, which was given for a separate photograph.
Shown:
{"hour": 11, "minute": 57}
